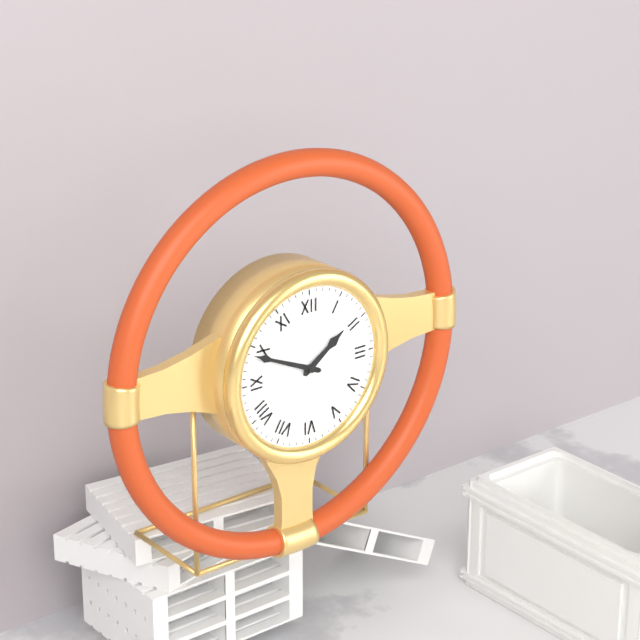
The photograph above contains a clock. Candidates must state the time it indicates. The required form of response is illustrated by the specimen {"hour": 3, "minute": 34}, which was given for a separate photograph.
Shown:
{"hour": 1, "minute": 49}
